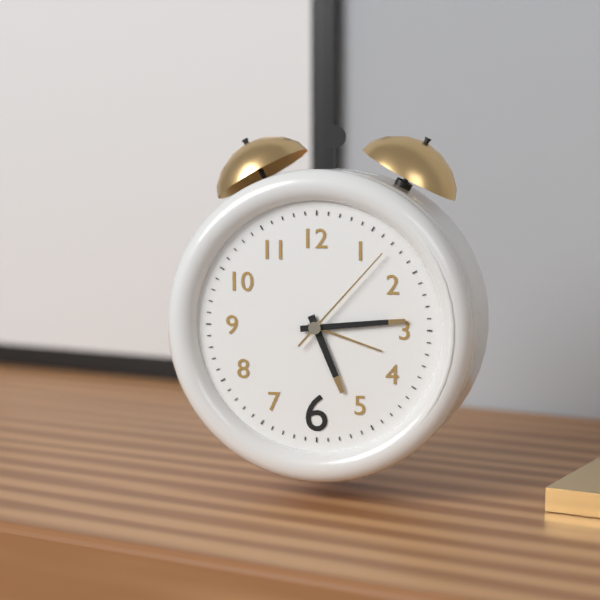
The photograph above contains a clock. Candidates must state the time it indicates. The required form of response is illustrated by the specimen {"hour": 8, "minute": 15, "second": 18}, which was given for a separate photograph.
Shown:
{"hour": 5, "minute": 14, "second": 7}
